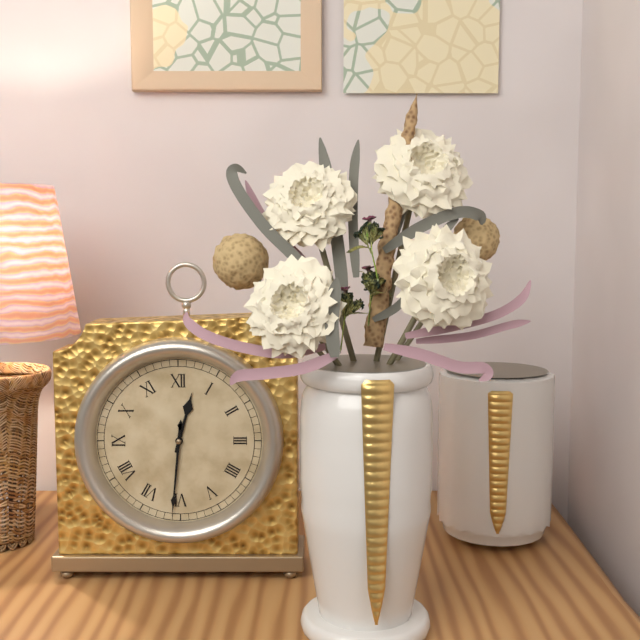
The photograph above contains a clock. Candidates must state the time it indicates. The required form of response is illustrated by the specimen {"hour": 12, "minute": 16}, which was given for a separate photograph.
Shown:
{"hour": 12, "minute": 31}
